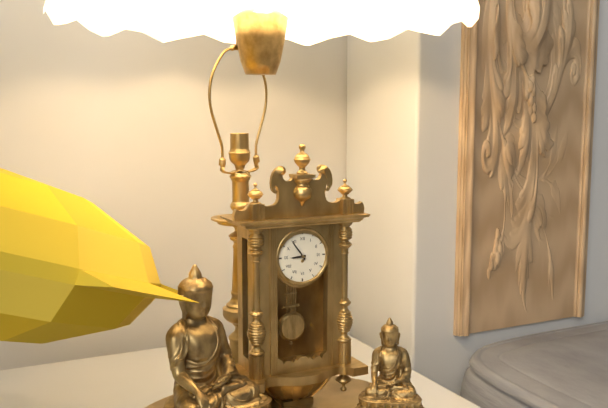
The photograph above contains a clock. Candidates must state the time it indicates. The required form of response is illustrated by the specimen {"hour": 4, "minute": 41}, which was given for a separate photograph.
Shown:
{"hour": 8, "minute": 54}
